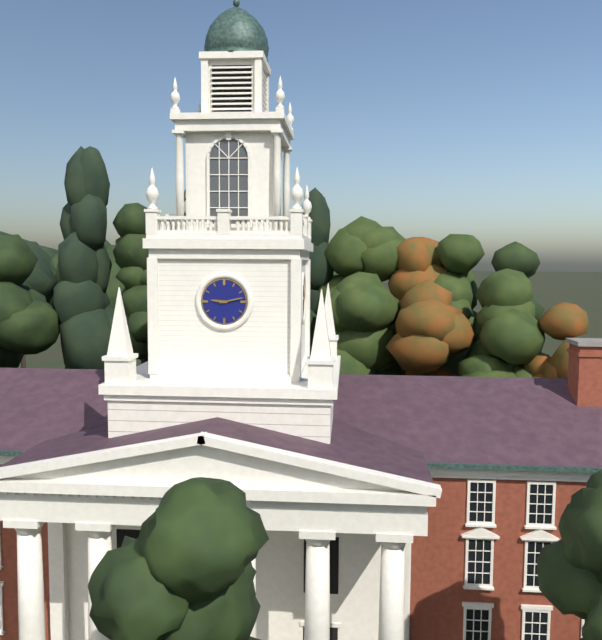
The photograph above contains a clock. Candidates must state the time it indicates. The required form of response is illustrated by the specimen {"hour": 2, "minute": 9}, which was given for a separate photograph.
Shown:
{"hour": 9, "minute": 13}
